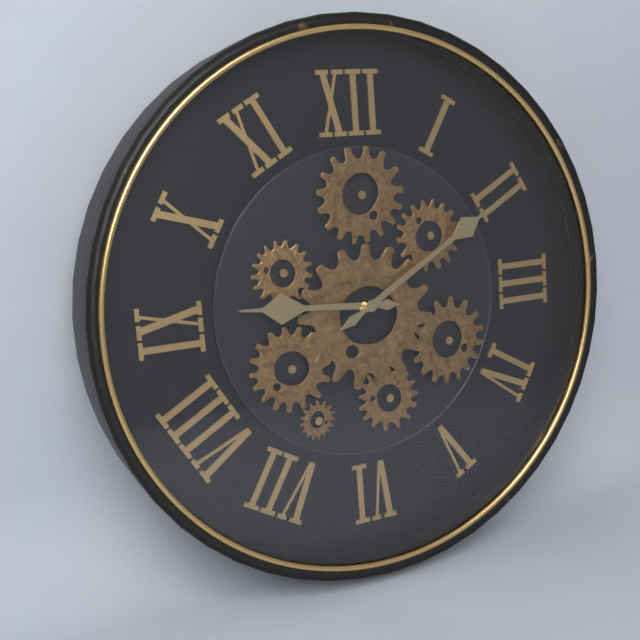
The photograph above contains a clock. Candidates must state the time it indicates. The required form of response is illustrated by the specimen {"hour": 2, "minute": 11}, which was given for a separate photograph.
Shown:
{"hour": 9, "minute": 10}
